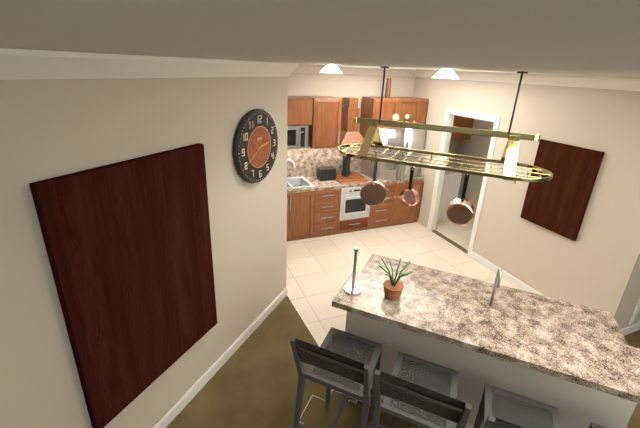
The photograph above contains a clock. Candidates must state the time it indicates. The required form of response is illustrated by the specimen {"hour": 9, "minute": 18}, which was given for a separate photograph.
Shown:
{"hour": 2, "minute": 40}
